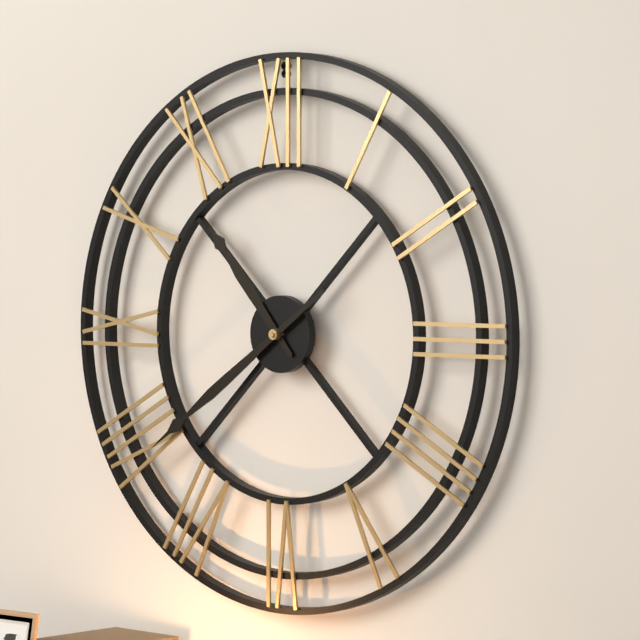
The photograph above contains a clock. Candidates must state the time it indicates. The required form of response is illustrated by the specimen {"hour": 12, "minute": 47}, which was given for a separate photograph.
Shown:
{"hour": 10, "minute": 39}
